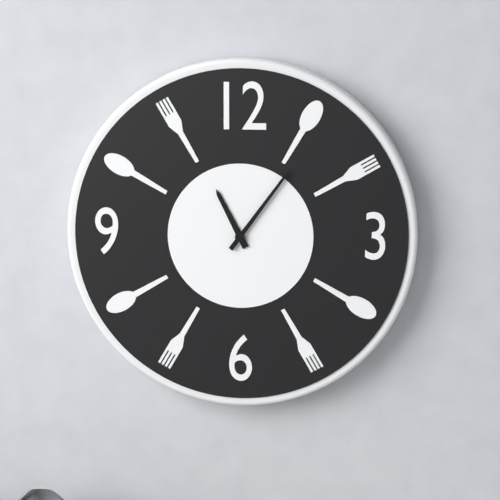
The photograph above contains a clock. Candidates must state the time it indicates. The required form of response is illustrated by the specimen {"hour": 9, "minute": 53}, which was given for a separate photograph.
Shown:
{"hour": 11, "minute": 6}
